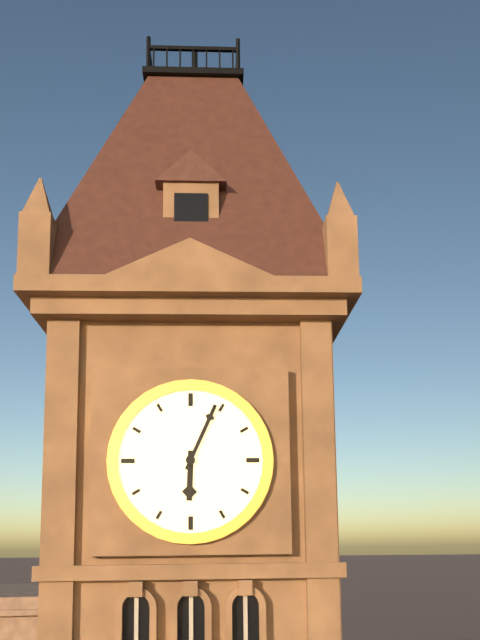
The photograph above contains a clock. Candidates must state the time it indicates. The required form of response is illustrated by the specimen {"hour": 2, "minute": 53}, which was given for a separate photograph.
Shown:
{"hour": 6, "minute": 4}
